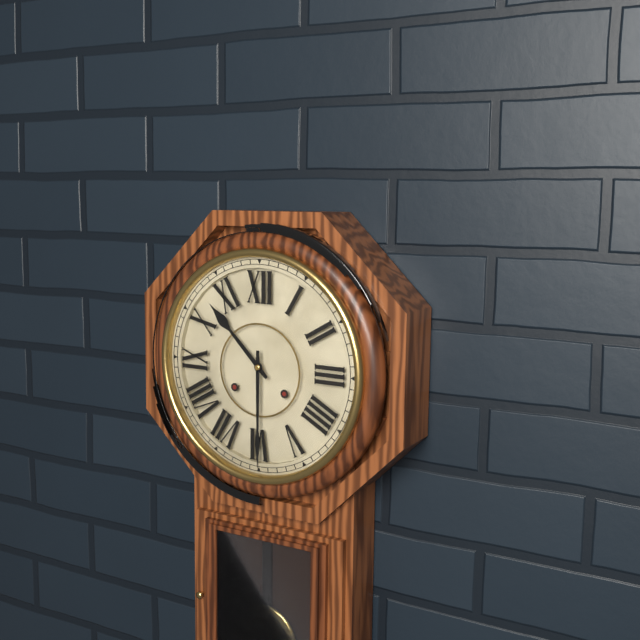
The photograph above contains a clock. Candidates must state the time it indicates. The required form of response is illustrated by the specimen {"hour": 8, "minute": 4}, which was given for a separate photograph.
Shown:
{"hour": 10, "minute": 30}
